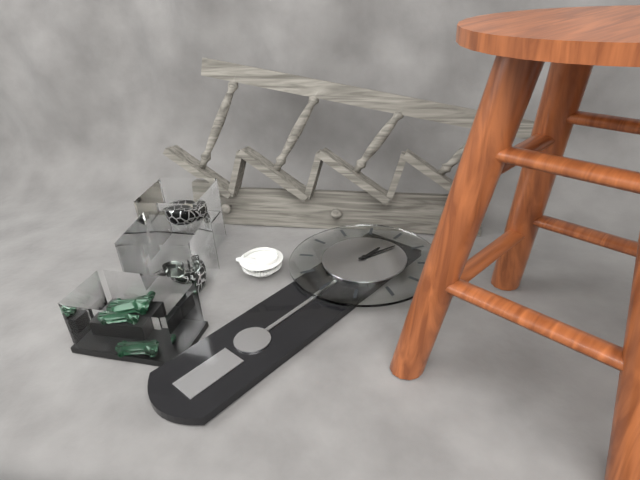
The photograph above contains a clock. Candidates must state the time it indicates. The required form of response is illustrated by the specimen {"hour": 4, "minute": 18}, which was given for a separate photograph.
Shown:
{"hour": 12, "minute": 3}
